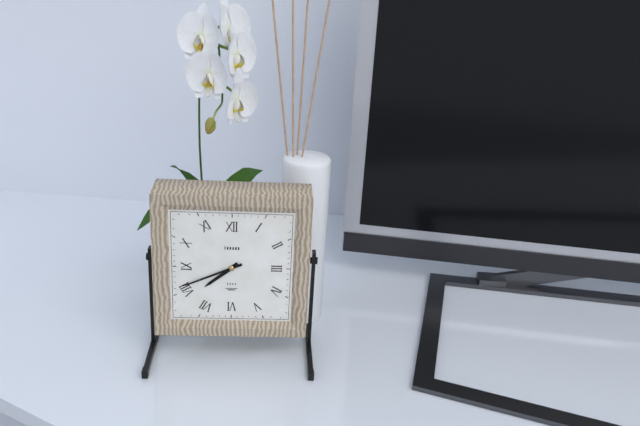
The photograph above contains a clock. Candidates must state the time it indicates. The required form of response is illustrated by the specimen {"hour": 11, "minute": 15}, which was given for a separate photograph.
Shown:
{"hour": 7, "minute": 41}
